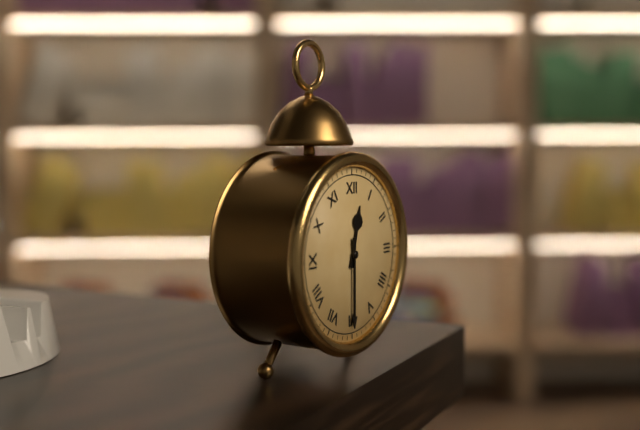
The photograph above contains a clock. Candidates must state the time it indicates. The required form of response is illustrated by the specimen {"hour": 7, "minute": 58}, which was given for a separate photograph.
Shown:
{"hour": 12, "minute": 30}
